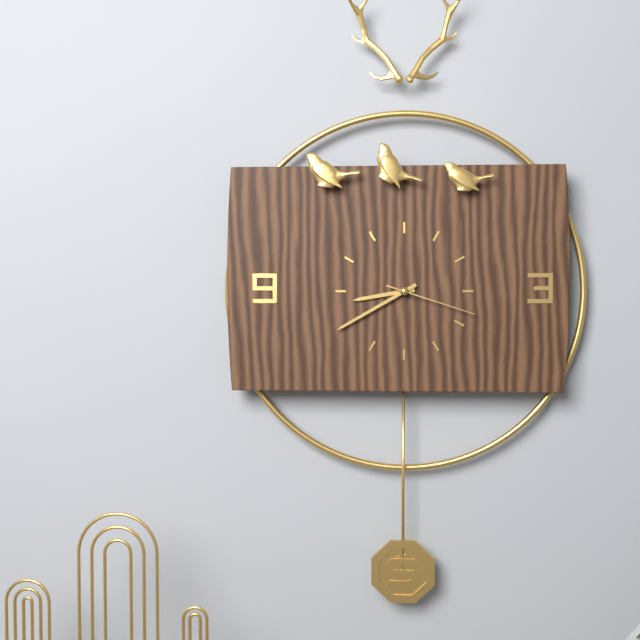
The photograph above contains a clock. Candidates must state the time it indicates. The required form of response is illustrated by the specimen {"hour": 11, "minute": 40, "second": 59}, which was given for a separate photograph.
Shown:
{"hour": 8, "minute": 40, "second": 18}
